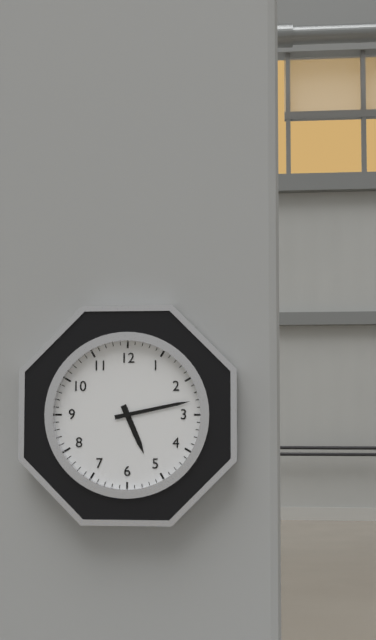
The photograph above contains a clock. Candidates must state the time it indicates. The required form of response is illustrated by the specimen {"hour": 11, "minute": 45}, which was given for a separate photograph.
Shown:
{"hour": 5, "minute": 13}
